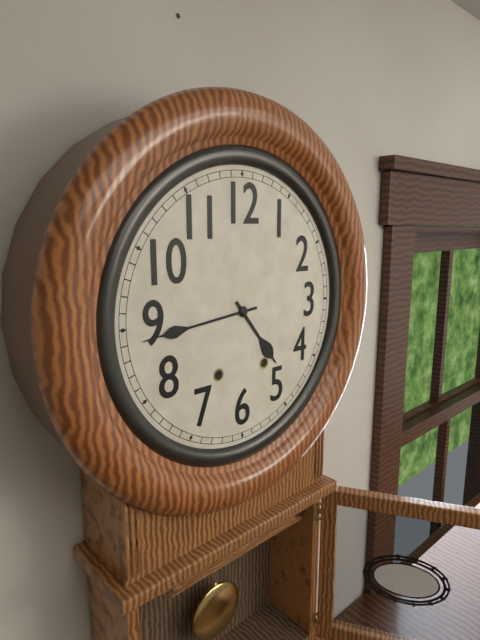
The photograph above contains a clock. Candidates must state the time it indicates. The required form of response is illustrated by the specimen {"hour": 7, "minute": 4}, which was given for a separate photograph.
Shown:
{"hour": 4, "minute": 44}
